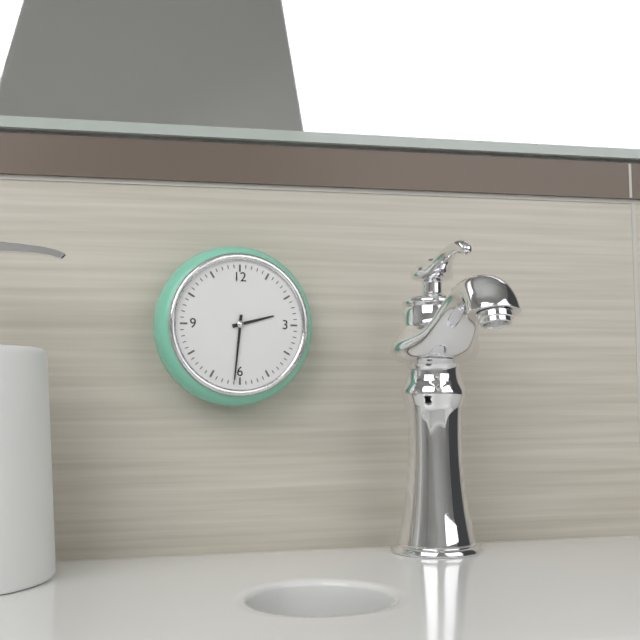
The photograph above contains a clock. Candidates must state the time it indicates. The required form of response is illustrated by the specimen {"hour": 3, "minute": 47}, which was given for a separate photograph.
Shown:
{"hour": 2, "minute": 31}
